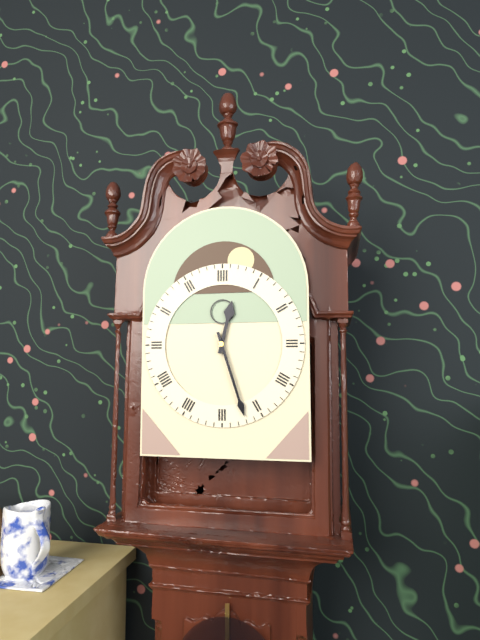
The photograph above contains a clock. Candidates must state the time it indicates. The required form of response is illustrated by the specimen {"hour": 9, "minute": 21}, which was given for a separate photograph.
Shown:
{"hour": 12, "minute": 27}
